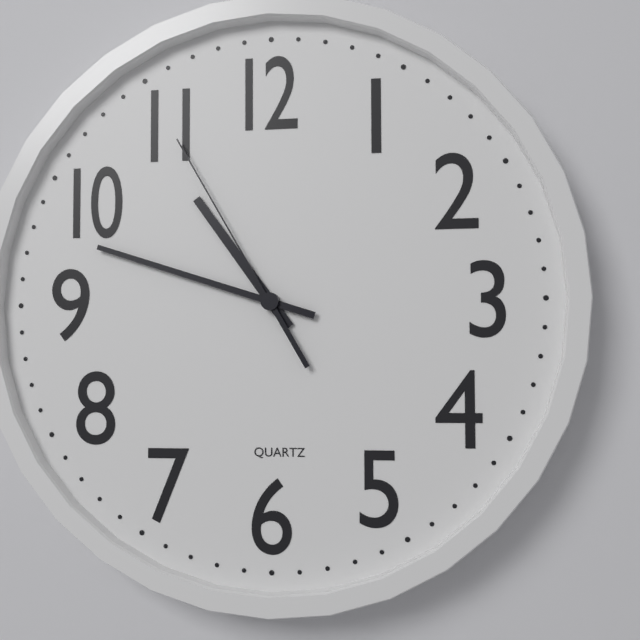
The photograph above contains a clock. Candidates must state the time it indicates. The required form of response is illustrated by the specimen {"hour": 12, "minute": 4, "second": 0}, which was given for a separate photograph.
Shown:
{"hour": 10, "minute": 48, "second": 55}
